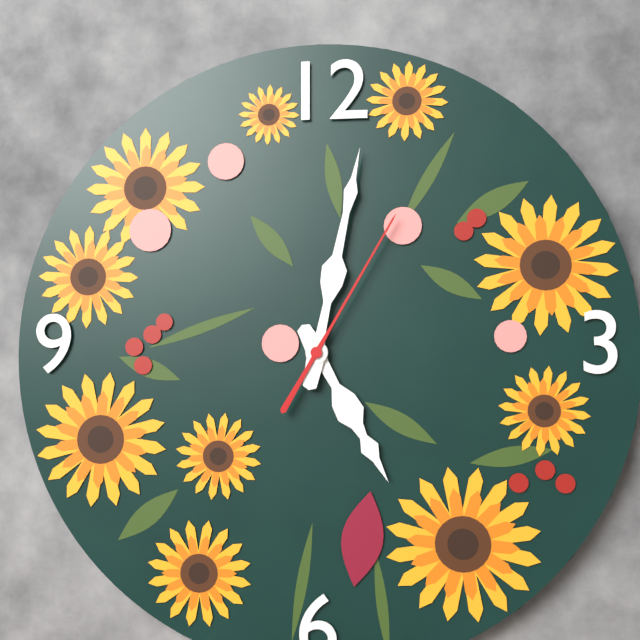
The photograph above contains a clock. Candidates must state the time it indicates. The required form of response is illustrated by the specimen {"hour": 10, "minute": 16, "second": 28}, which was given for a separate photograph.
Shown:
{"hour": 5, "minute": 2, "second": 5}
